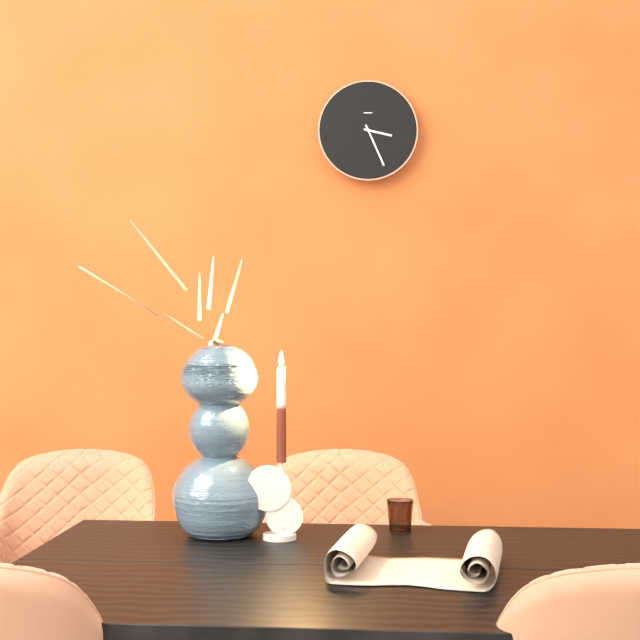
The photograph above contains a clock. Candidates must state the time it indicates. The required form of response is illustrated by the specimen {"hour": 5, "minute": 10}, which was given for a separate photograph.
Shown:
{"hour": 3, "minute": 26}
